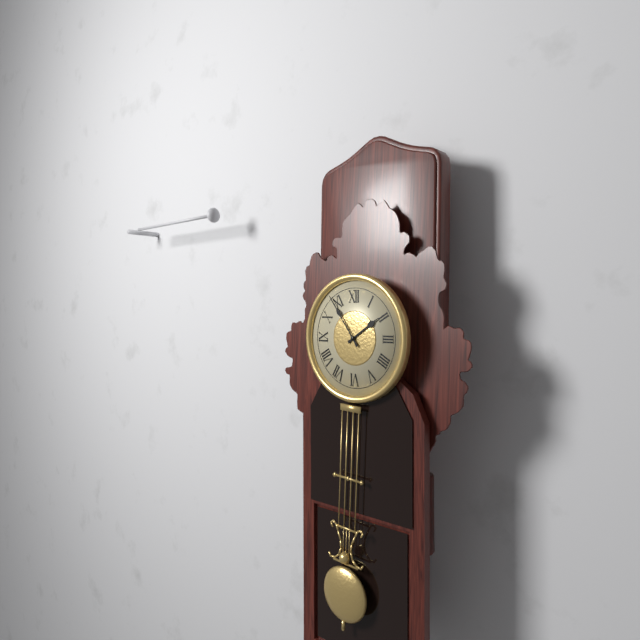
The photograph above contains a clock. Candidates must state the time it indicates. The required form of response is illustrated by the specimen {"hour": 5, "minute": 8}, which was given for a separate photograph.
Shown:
{"hour": 1, "minute": 54}
